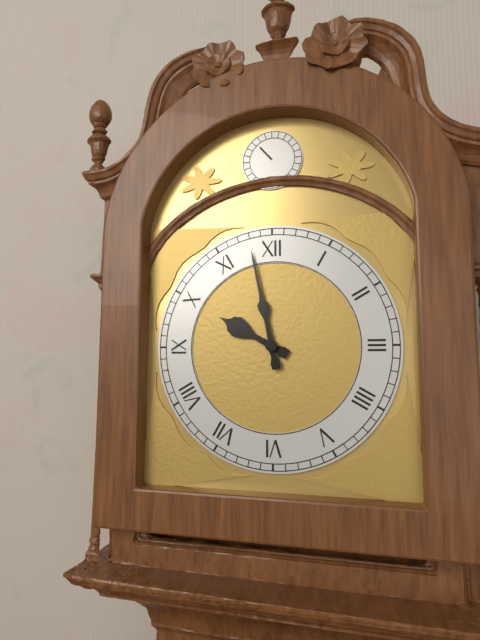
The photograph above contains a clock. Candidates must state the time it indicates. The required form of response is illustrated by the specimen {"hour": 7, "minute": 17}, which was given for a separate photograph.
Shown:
{"hour": 9, "minute": 58}
